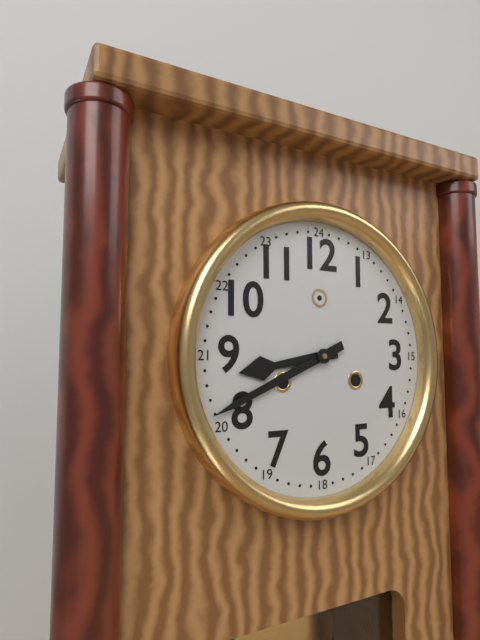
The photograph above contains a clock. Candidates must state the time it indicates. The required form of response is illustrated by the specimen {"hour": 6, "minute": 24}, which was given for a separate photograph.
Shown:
{"hour": 8, "minute": 41}
